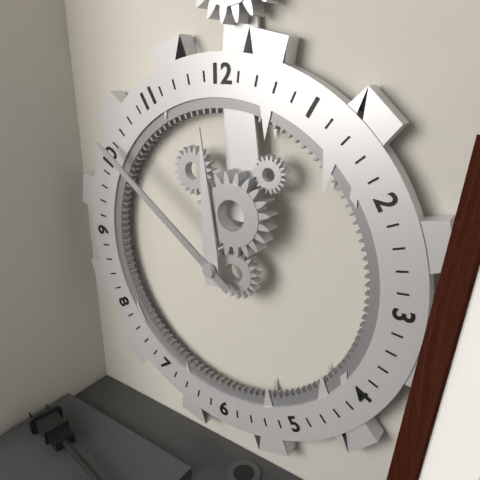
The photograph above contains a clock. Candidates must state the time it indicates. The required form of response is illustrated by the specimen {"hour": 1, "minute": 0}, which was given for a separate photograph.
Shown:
{"hour": 11, "minute": 51}
